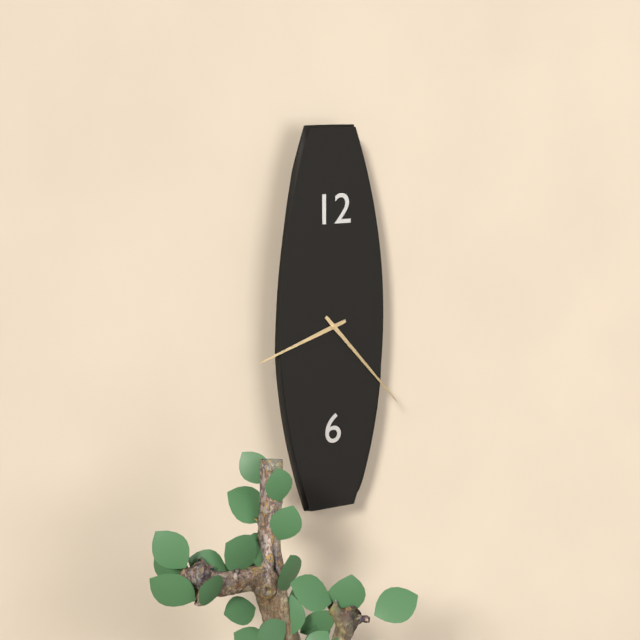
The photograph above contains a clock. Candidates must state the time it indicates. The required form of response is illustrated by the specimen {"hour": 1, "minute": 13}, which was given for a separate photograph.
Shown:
{"hour": 8, "minute": 23}
